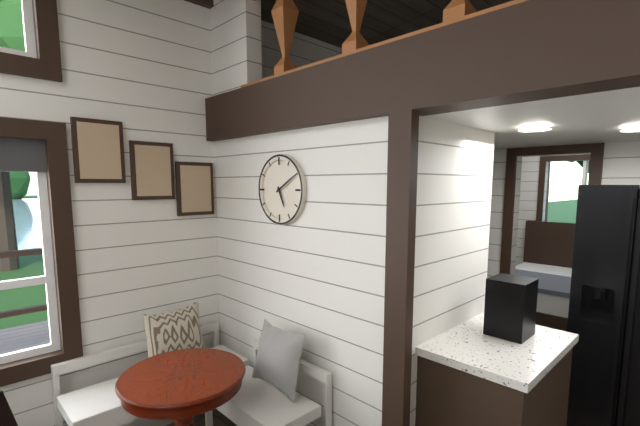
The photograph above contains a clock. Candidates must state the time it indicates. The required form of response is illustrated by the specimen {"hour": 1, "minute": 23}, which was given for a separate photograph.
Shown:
{"hour": 5, "minute": 10}
